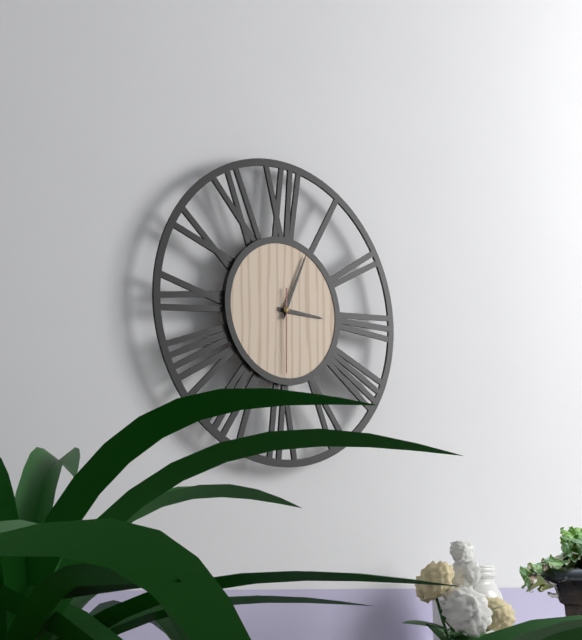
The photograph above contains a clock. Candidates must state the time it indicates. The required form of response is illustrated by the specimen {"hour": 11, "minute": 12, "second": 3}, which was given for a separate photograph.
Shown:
{"hour": 3, "minute": 4, "second": 30}
